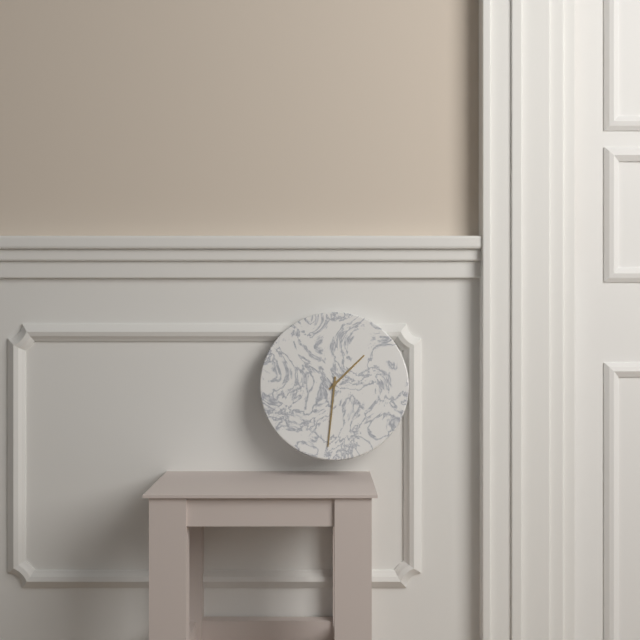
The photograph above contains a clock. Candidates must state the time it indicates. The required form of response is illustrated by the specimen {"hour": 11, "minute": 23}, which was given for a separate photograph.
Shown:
{"hour": 1, "minute": 31}
